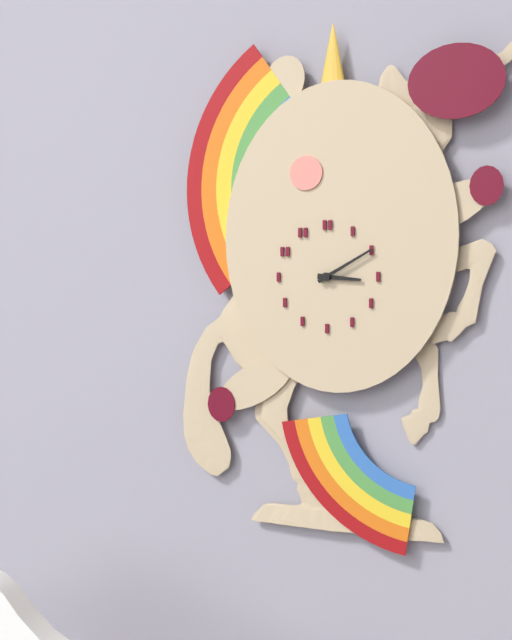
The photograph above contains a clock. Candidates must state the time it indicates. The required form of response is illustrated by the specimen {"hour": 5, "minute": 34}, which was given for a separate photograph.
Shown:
{"hour": 3, "minute": 10}
